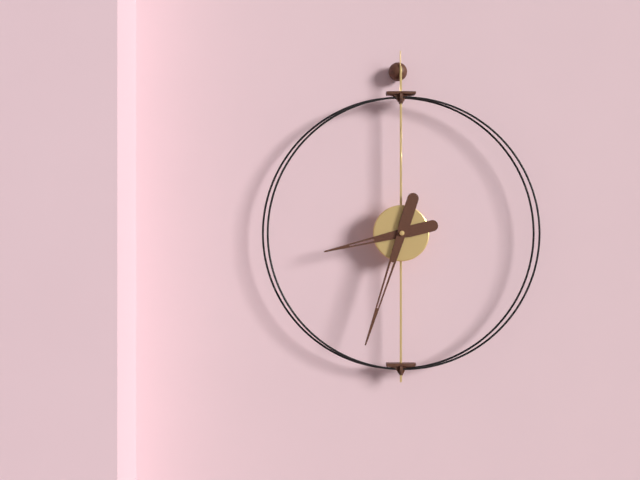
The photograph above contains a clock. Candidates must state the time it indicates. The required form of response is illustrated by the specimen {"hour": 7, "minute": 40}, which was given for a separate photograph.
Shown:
{"hour": 8, "minute": 33}
